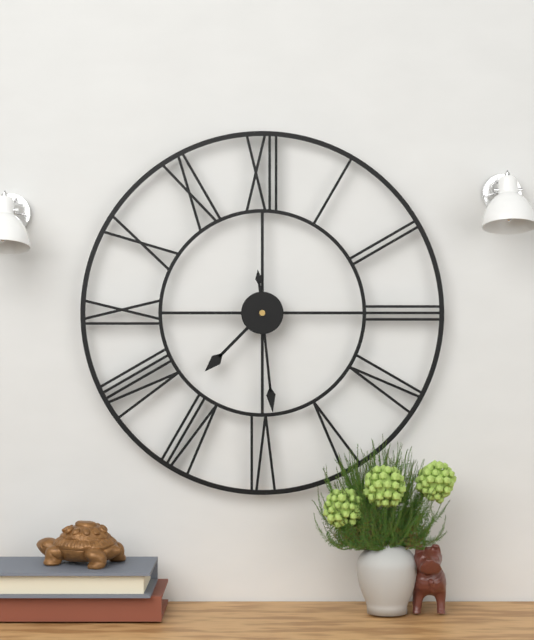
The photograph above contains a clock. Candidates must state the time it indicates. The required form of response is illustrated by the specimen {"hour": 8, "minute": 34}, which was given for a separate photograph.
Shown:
{"hour": 7, "minute": 29}
